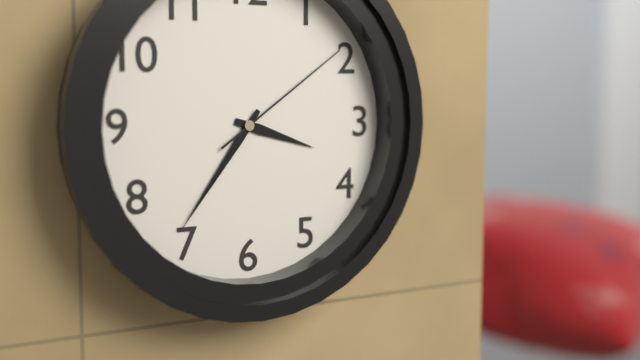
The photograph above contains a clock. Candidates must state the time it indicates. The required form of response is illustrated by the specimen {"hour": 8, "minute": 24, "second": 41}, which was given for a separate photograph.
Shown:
{"hour": 3, "minute": 36, "second": 9}
